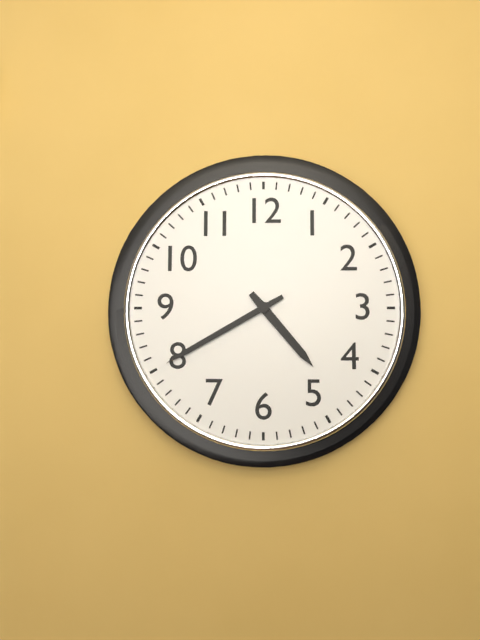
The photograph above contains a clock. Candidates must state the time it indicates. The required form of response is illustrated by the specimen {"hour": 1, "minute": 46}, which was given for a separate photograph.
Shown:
{"hour": 4, "minute": 40}
